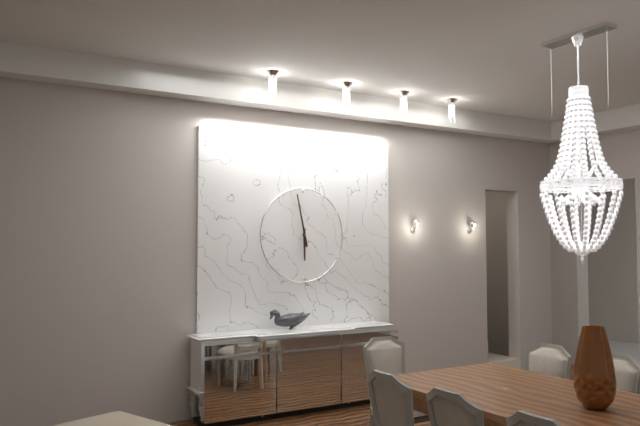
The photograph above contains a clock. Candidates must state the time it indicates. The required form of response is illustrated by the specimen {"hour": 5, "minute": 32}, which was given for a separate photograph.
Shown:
{"hour": 5, "minute": 58}
